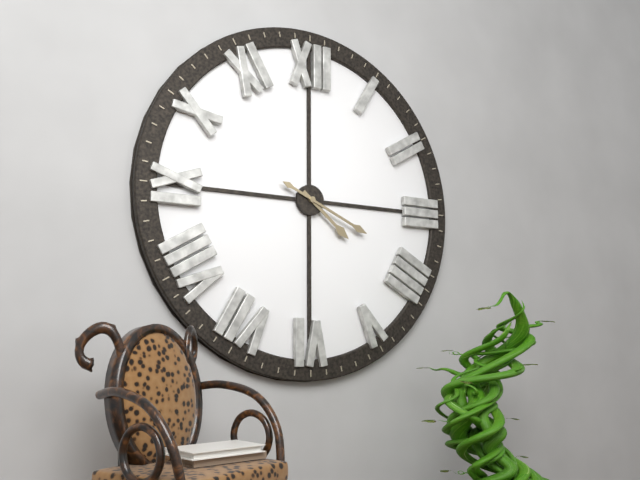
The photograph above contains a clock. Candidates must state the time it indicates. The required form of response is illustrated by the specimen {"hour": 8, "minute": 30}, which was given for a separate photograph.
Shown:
{"hour": 4, "minute": 19}
